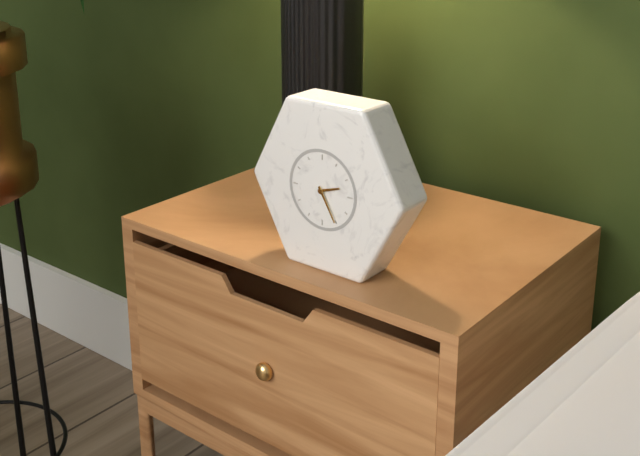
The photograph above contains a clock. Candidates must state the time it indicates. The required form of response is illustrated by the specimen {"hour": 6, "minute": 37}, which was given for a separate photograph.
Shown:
{"hour": 2, "minute": 25}
